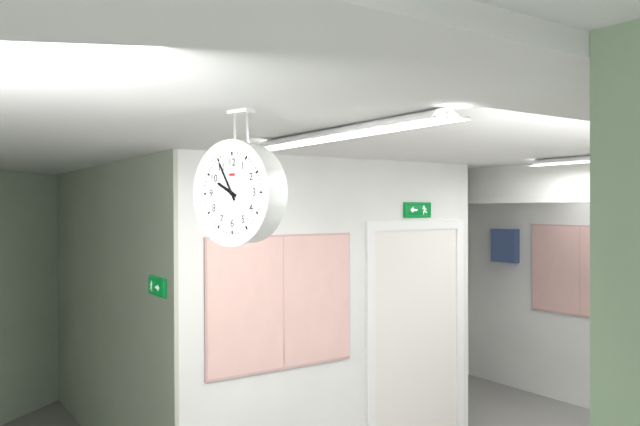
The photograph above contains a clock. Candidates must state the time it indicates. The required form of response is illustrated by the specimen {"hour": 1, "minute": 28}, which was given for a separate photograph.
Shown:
{"hour": 9, "minute": 55}
